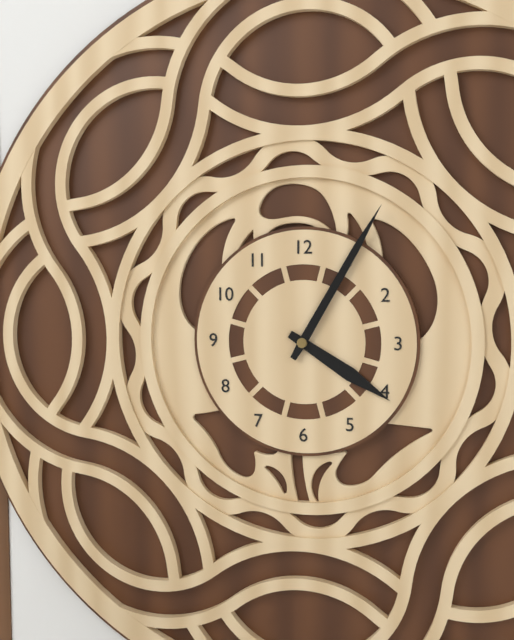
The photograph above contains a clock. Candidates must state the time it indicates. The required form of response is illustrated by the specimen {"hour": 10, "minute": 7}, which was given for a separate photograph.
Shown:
{"hour": 4, "minute": 5}
